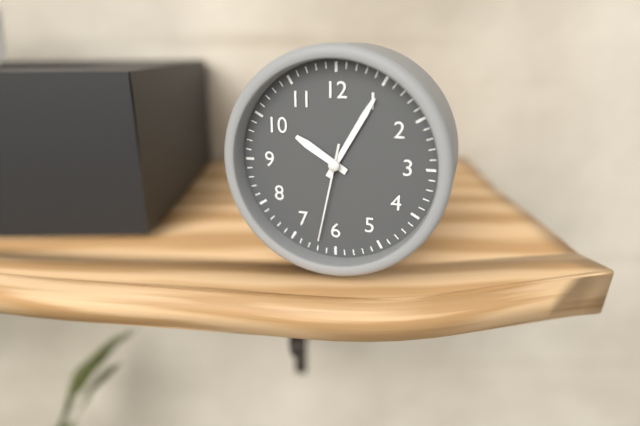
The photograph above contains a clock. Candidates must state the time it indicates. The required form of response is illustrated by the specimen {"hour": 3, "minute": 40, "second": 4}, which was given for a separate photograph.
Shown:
{"hour": 10, "minute": 5, "second": 32}
